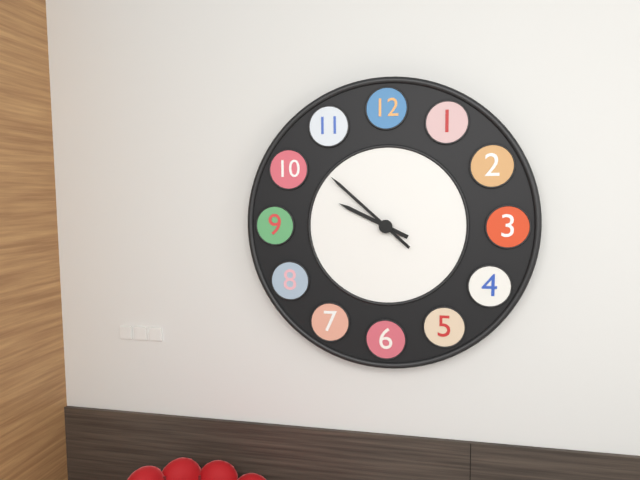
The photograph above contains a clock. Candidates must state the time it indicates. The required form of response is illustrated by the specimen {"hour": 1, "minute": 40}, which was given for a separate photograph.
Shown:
{"hour": 9, "minute": 52}
